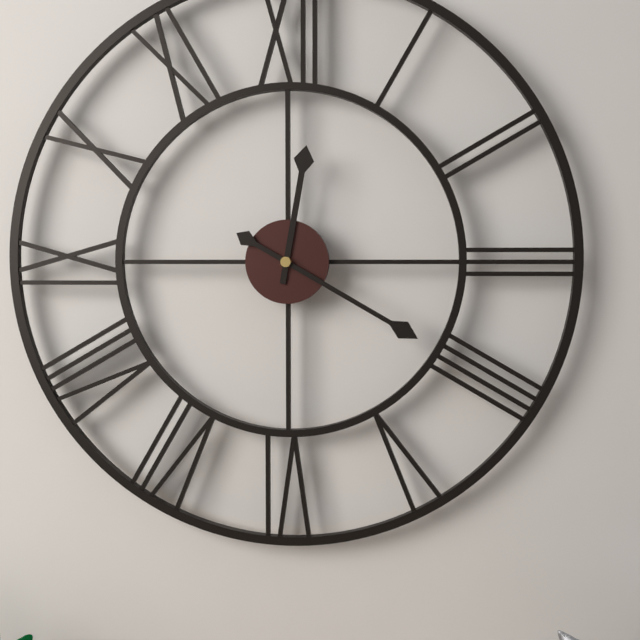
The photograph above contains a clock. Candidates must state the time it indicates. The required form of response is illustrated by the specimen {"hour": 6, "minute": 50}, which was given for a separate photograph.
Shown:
{"hour": 12, "minute": 20}
